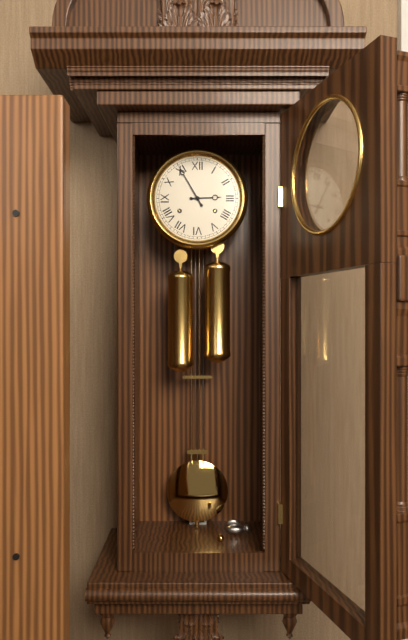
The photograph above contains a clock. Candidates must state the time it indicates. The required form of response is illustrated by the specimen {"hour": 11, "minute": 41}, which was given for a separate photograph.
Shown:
{"hour": 2, "minute": 55}
